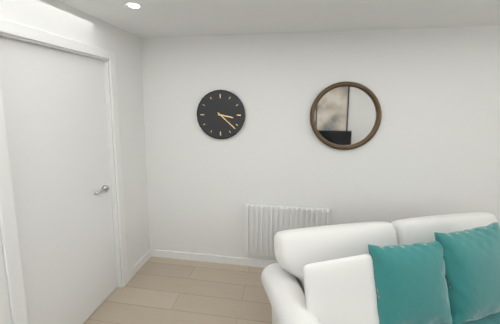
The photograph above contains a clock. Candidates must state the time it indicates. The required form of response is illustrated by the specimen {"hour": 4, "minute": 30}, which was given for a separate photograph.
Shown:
{"hour": 3, "minute": 22}
